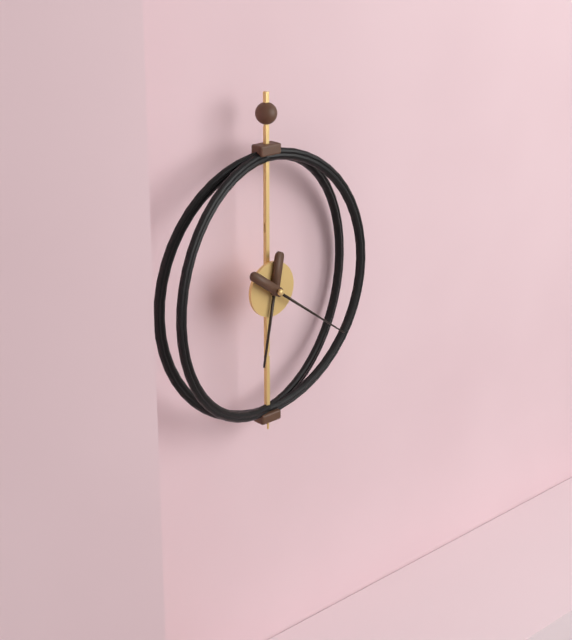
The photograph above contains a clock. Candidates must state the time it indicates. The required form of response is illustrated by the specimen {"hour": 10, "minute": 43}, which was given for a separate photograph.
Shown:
{"hour": 6, "minute": 21}
